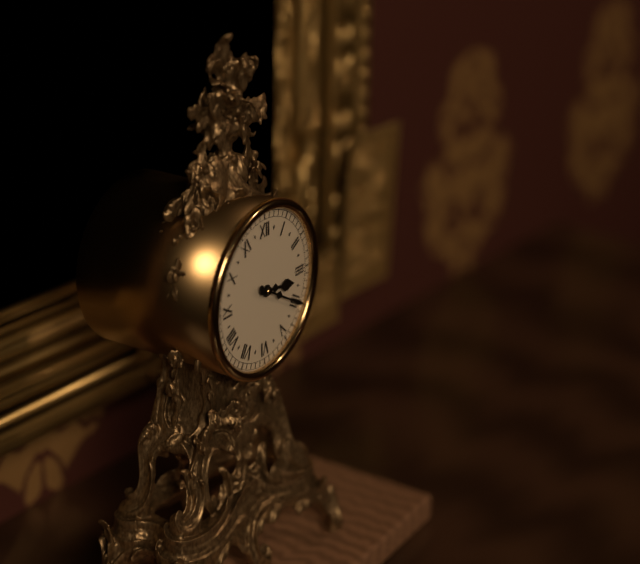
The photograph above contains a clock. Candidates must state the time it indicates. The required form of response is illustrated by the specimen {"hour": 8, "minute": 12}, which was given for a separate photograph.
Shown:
{"hour": 3, "minute": 20}
